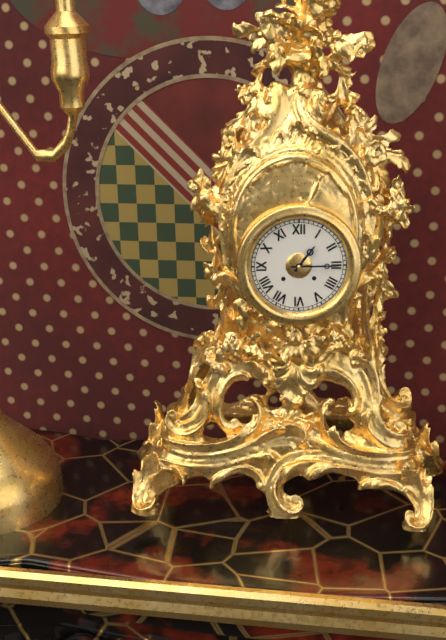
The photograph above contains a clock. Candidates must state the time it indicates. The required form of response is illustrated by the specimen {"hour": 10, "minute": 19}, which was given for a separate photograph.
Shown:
{"hour": 1, "minute": 15}
